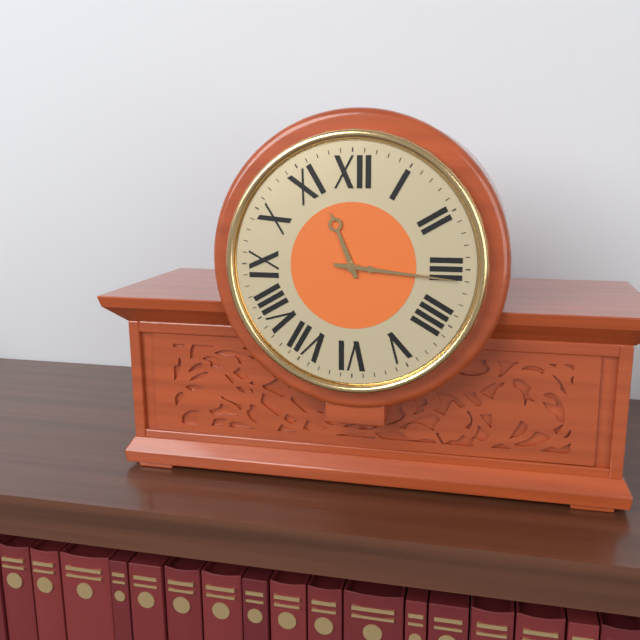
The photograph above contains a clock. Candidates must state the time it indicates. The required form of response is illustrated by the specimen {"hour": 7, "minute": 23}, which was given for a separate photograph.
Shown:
{"hour": 11, "minute": 16}
